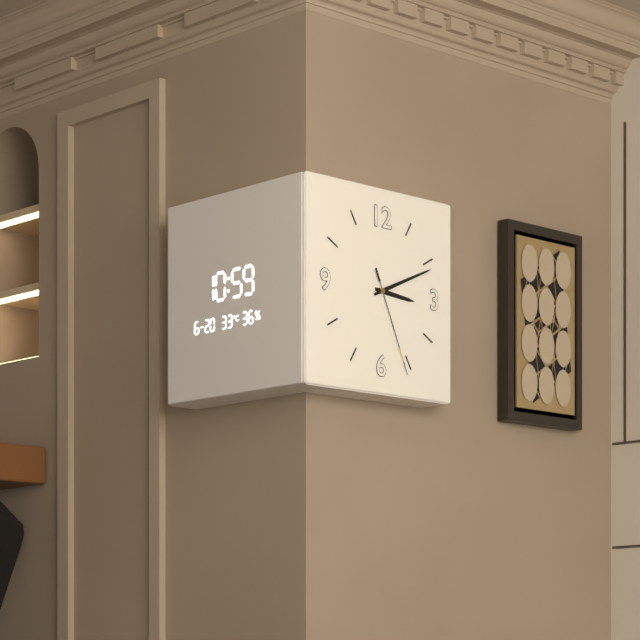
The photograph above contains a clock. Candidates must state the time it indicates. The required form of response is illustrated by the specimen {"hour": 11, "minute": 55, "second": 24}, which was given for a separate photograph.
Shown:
{"hour": 3, "minute": 11, "second": 26}
